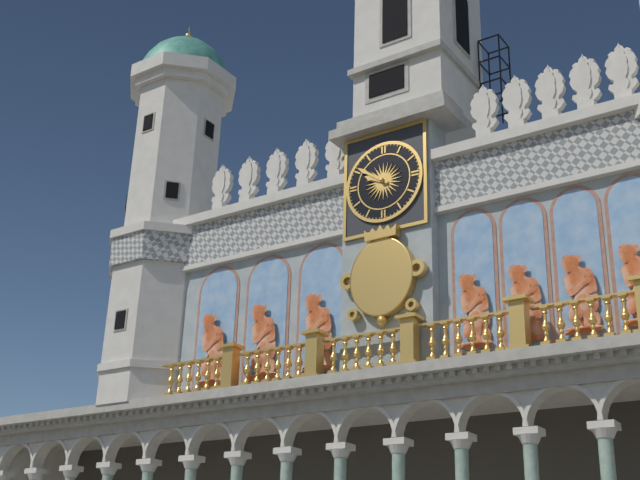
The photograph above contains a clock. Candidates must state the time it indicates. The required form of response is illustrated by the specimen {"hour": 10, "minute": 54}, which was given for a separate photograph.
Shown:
{"hour": 9, "minute": 51}
